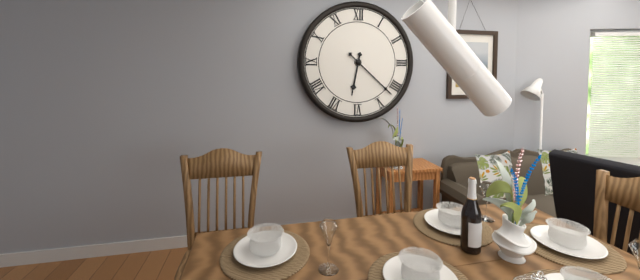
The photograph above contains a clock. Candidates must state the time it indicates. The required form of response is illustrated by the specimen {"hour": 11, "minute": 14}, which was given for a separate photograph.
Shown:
{"hour": 6, "minute": 22}
